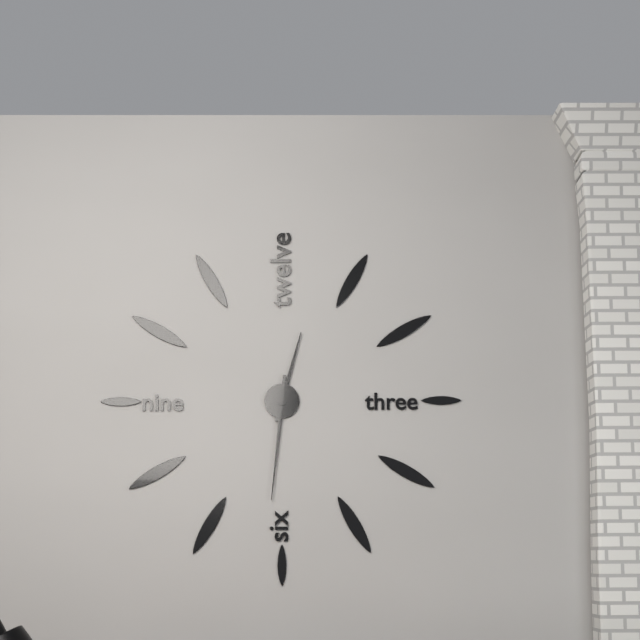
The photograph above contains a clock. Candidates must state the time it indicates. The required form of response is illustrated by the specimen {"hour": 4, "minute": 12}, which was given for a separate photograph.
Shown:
{"hour": 12, "minute": 31}
